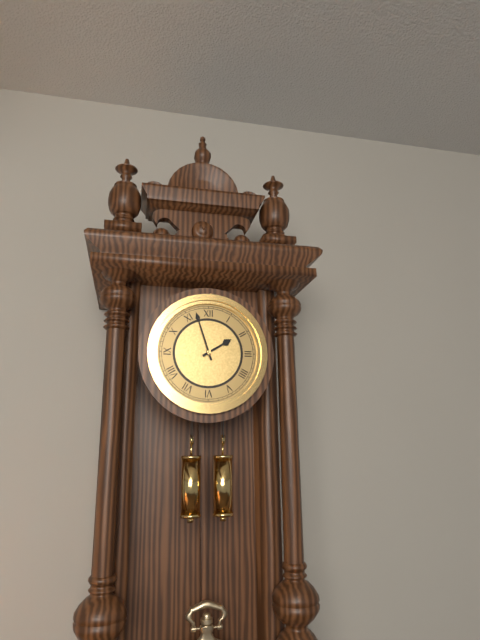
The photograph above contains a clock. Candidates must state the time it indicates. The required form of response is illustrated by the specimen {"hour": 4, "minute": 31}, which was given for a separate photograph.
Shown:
{"hour": 1, "minute": 57}
